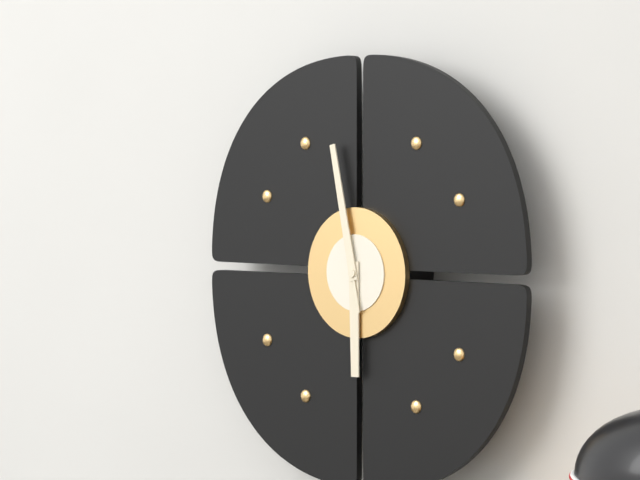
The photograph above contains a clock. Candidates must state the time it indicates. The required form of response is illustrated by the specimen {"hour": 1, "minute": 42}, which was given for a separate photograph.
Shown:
{"hour": 5, "minute": 58}
